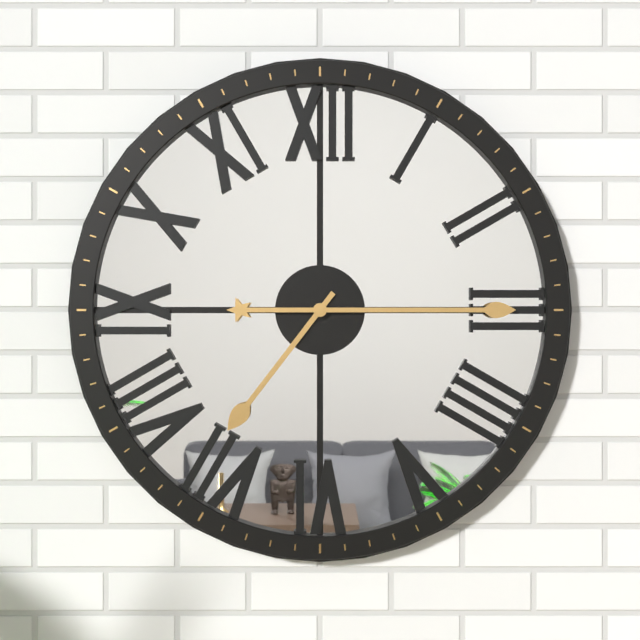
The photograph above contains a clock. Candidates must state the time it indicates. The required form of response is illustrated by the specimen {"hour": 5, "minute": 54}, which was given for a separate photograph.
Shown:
{"hour": 7, "minute": 15}
